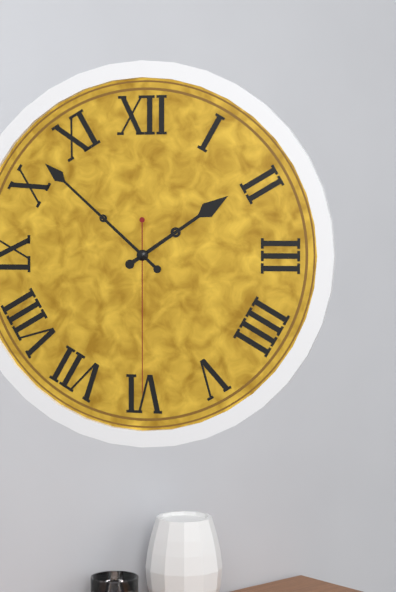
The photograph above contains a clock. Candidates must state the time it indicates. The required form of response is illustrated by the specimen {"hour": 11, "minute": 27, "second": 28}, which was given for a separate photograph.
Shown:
{"hour": 1, "minute": 52, "second": 30}
